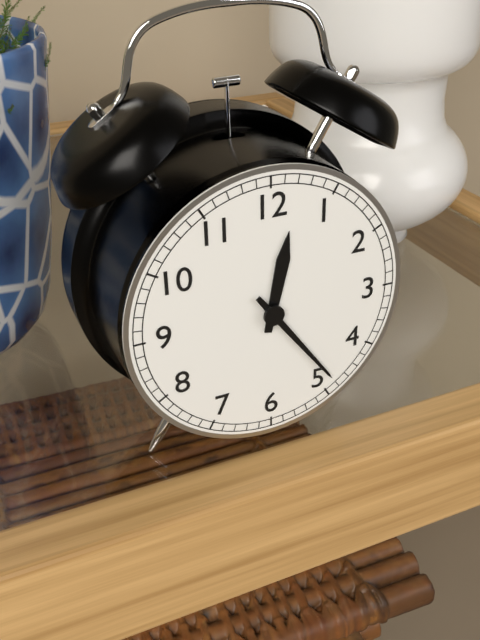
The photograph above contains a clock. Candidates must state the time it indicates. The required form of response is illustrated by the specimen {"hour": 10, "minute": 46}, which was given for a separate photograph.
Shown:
{"hour": 12, "minute": 24}
